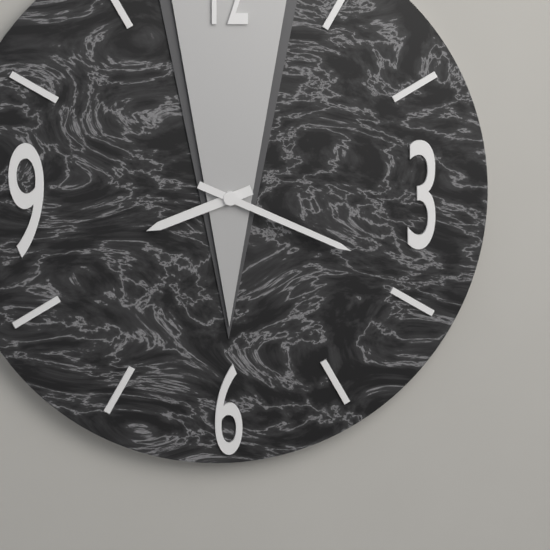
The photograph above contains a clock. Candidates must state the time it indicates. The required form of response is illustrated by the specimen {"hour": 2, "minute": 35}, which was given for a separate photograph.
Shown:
{"hour": 8, "minute": 19}
